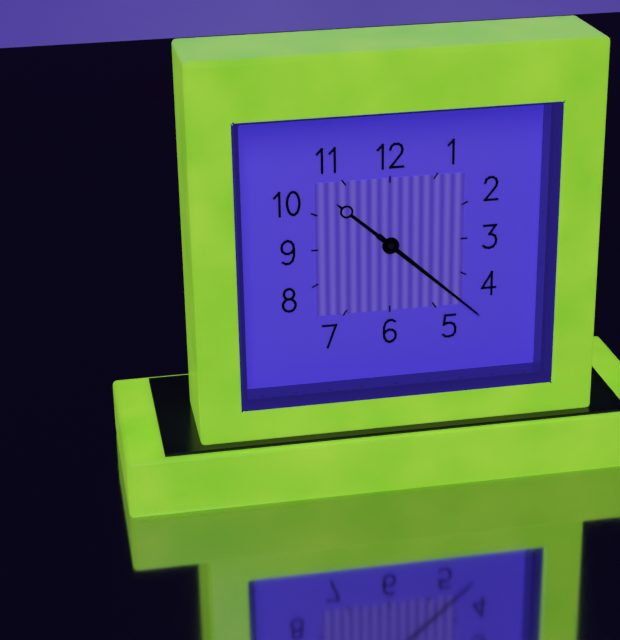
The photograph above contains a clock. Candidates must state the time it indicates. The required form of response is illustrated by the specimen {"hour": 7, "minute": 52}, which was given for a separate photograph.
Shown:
{"hour": 10, "minute": 22}
